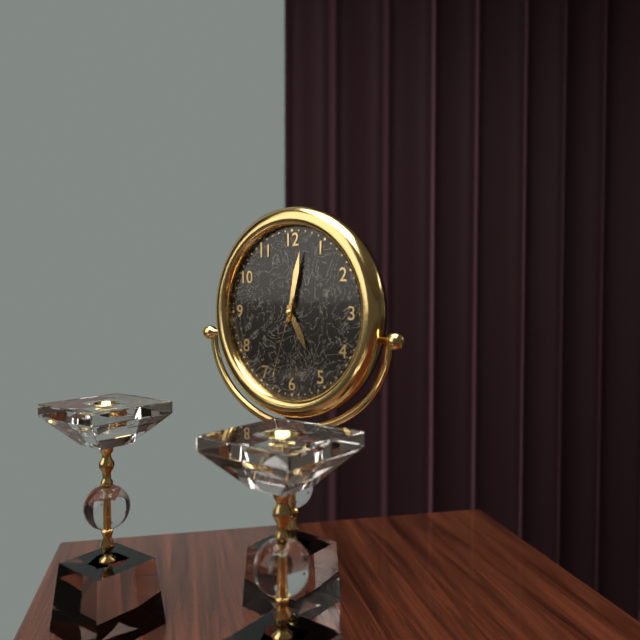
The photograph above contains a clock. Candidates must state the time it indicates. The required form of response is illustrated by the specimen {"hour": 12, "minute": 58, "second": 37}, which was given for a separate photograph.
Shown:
{"hour": 5, "minute": 2, "second": 33}
